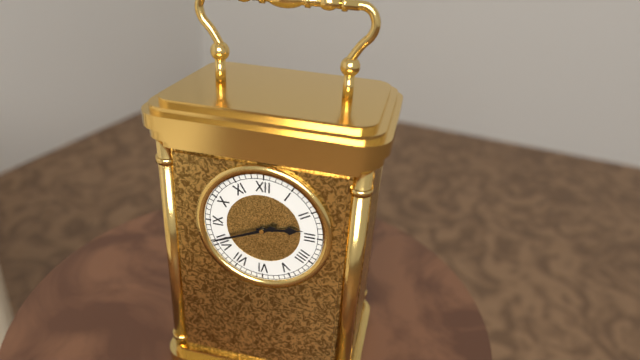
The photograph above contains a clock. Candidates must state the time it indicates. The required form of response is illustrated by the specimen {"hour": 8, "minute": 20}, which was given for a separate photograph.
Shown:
{"hour": 2, "minute": 41}
